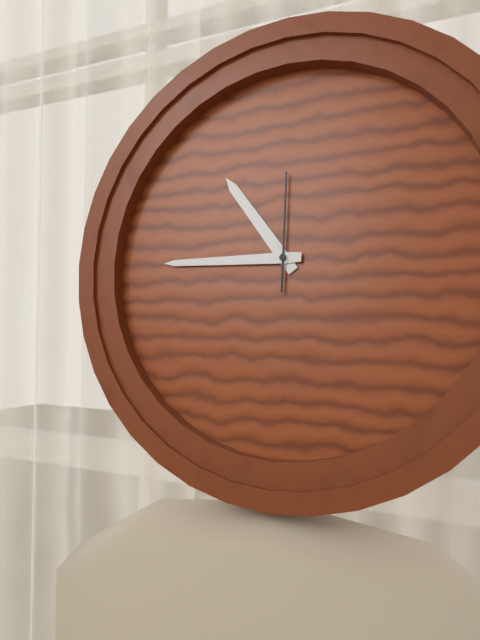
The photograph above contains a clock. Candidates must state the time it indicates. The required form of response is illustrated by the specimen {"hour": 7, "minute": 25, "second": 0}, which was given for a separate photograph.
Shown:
{"hour": 10, "minute": 45, "second": 0}
